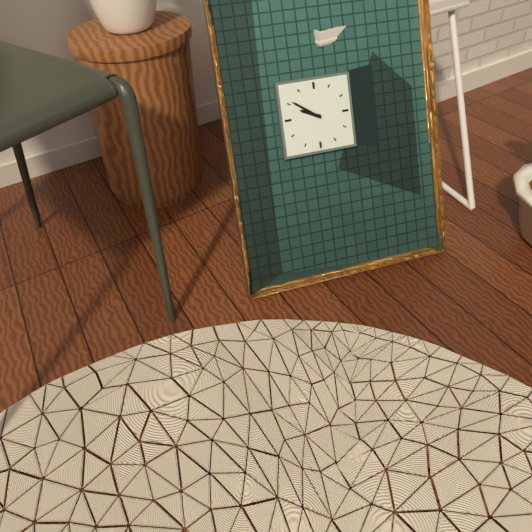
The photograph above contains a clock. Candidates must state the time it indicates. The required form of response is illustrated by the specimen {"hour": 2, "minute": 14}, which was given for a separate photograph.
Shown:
{"hour": 9, "minute": 51}
